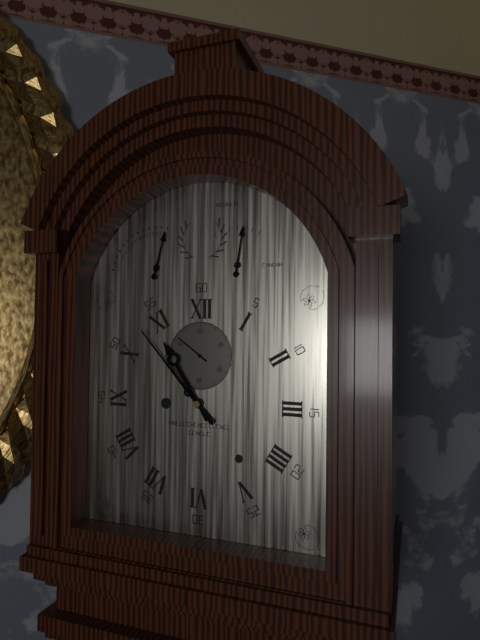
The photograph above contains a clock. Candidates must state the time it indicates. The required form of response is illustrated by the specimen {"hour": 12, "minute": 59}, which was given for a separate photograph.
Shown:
{"hour": 10, "minute": 53}
